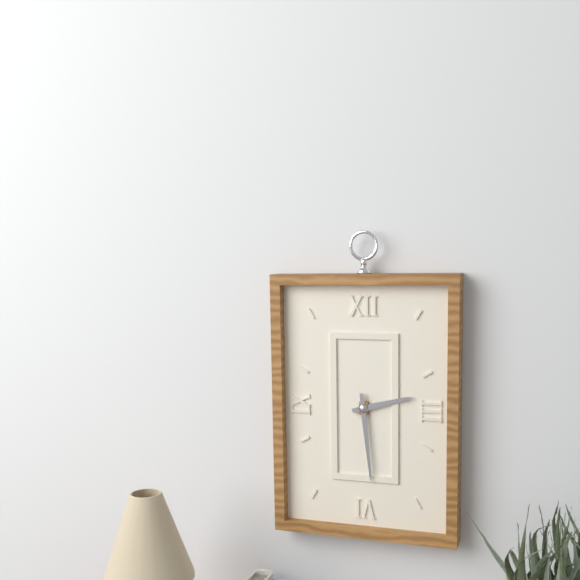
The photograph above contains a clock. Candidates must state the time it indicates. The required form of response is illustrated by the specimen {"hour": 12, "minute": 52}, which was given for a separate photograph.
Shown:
{"hour": 2, "minute": 29}
